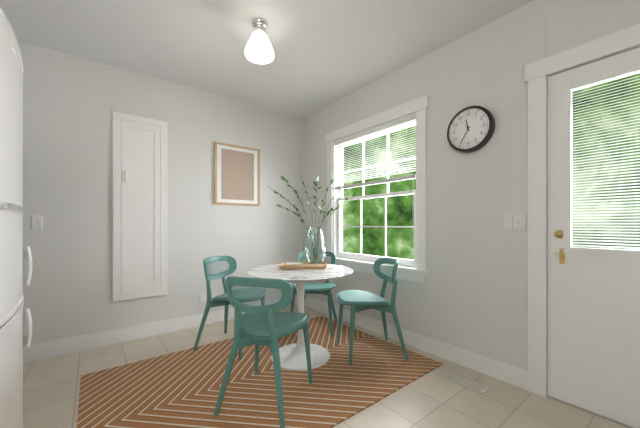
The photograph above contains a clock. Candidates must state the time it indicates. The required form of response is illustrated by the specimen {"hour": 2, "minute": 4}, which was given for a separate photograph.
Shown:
{"hour": 11, "minute": 35}
